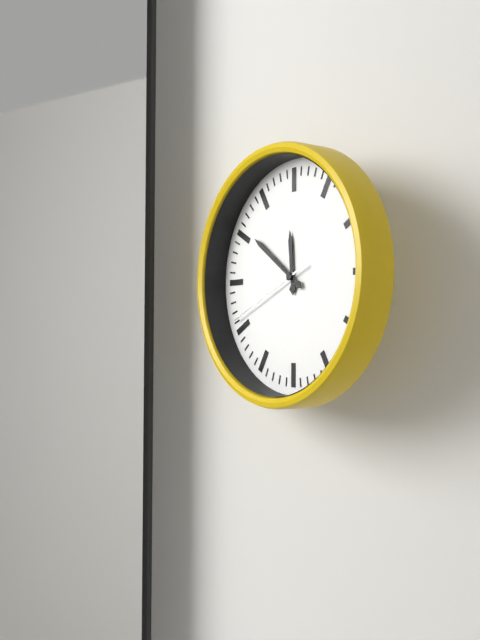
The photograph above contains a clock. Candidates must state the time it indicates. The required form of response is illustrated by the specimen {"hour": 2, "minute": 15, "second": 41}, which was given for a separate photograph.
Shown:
{"hour": 11, "minute": 51, "second": 41}
